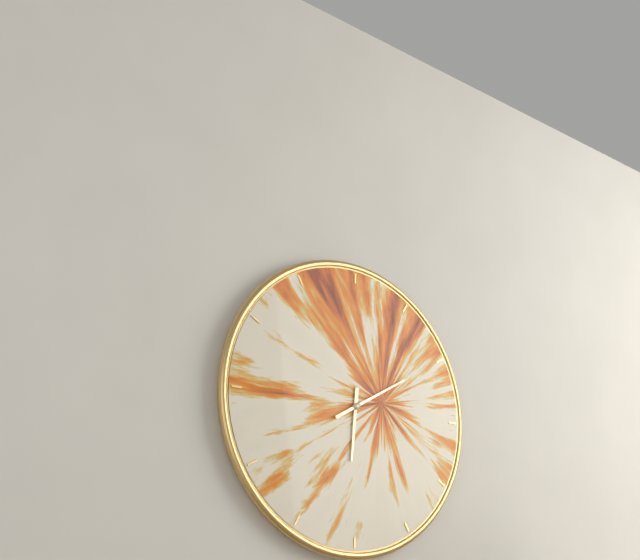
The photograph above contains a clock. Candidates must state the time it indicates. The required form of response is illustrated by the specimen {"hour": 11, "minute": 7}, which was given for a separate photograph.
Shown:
{"hour": 6, "minute": 10}
